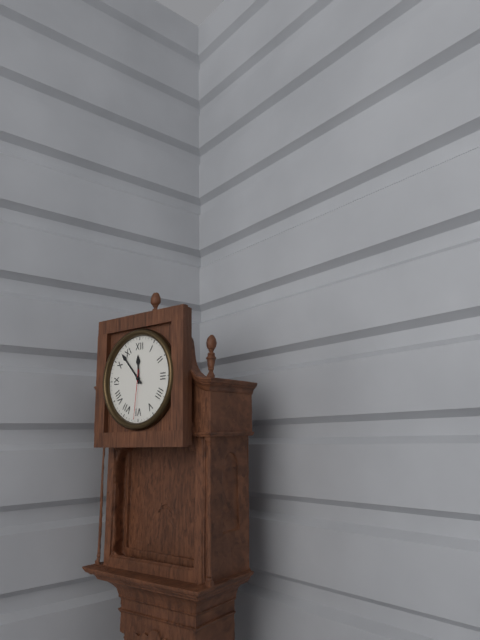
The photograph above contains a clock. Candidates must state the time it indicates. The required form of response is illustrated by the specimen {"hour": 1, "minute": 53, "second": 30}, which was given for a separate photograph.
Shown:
{"hour": 11, "minute": 53, "second": 31}
